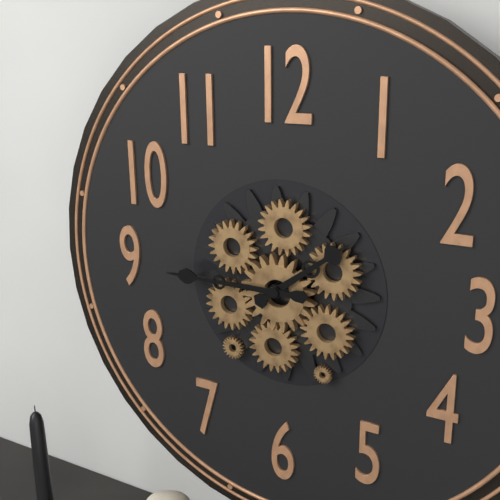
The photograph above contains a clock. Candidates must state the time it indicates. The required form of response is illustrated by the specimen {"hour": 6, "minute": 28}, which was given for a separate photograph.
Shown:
{"hour": 1, "minute": 45}
